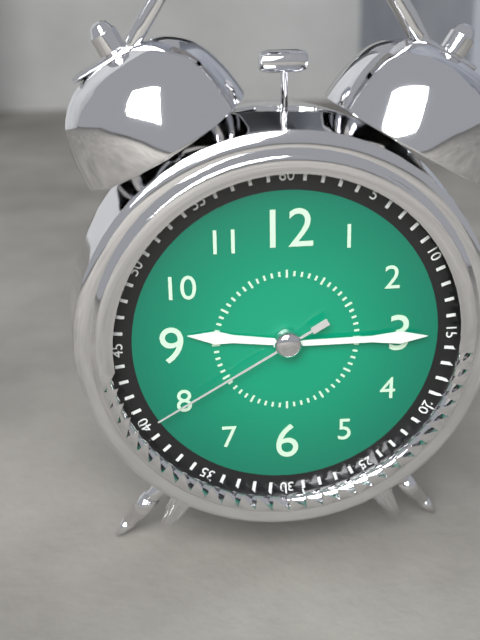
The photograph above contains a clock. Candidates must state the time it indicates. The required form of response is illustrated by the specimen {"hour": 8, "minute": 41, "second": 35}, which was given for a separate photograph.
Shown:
{"hour": 9, "minute": 15, "second": 40}
